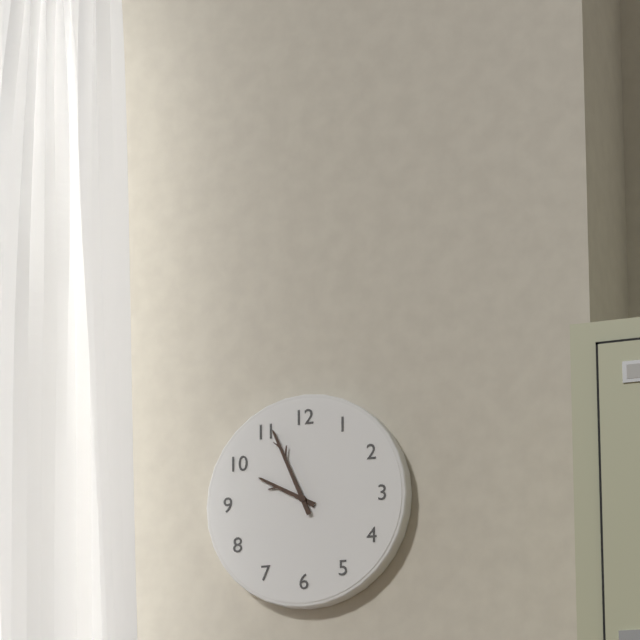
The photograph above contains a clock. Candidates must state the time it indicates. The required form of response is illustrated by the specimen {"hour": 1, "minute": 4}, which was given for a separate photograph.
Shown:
{"hour": 9, "minute": 56}
